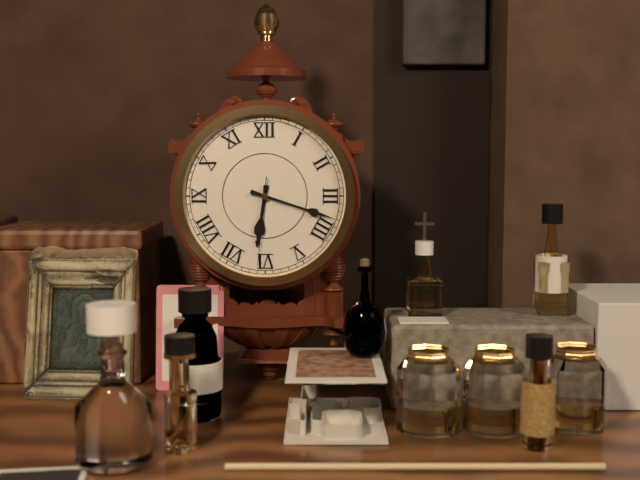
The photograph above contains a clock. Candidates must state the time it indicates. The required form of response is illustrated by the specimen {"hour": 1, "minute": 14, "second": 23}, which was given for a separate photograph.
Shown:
{"hour": 6, "minute": 18, "second": 31}
